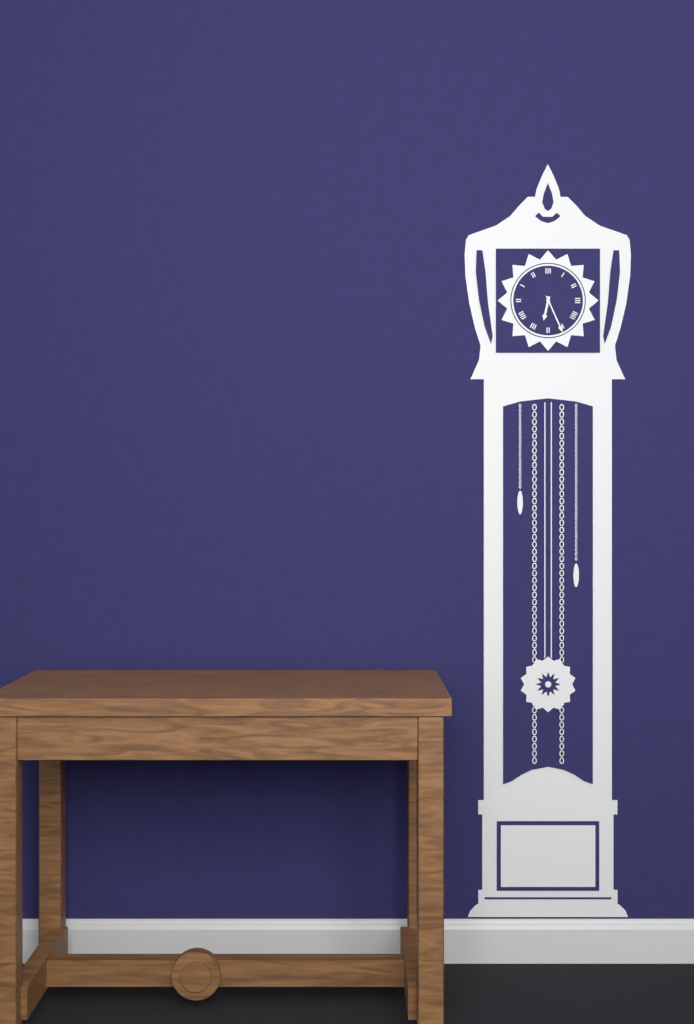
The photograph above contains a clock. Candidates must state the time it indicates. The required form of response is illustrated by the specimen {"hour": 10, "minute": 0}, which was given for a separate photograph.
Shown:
{"hour": 6, "minute": 26}
